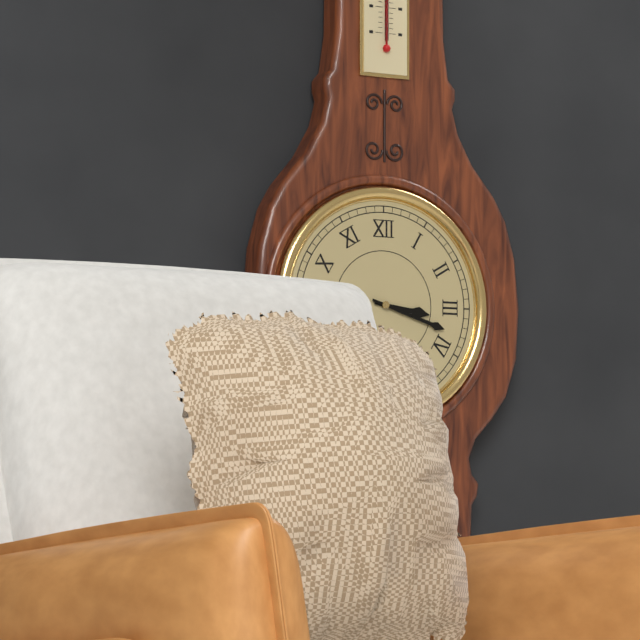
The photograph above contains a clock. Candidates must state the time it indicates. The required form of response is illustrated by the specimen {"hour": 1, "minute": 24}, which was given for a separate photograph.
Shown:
{"hour": 3, "minute": 18}
